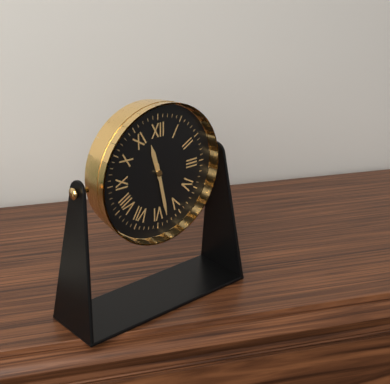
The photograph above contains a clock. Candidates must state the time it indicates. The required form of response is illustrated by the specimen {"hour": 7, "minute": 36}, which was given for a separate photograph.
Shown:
{"hour": 11, "minute": 28}
